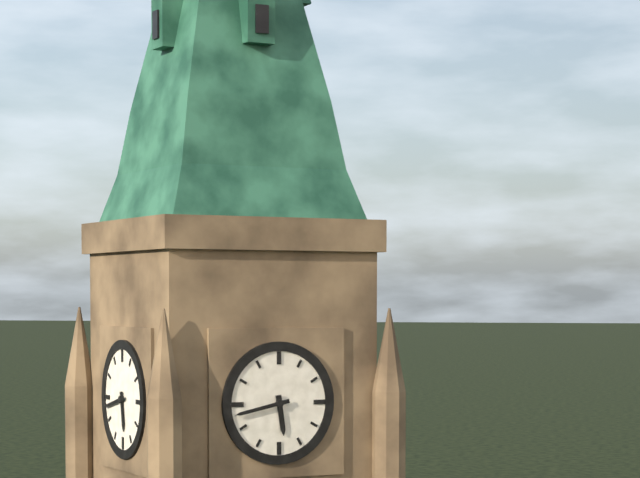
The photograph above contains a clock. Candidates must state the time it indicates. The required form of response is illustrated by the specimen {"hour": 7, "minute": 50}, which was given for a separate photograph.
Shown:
{"hour": 5, "minute": 43}
